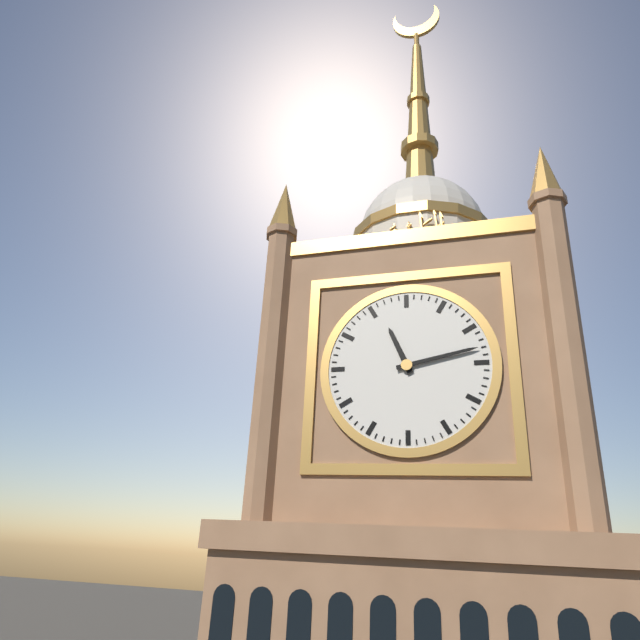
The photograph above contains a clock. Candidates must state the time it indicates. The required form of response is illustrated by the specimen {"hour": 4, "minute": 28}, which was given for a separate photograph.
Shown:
{"hour": 11, "minute": 13}
